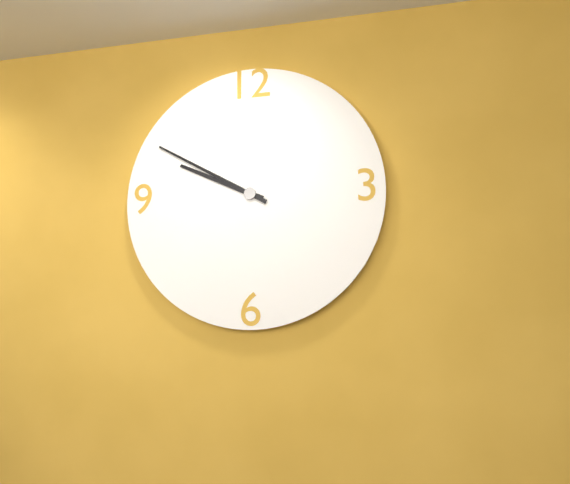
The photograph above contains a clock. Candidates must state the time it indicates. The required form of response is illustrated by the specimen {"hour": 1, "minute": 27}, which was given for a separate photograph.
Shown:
{"hour": 9, "minute": 50}
